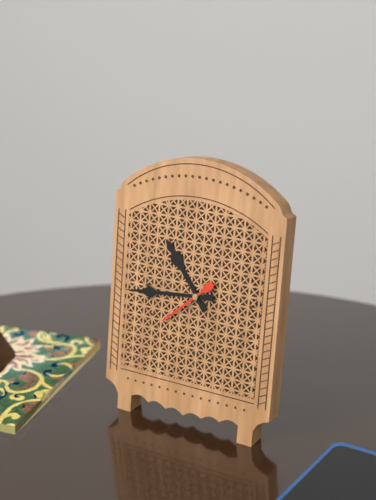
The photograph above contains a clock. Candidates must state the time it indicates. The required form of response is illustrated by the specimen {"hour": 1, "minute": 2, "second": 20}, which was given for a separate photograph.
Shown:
{"hour": 10, "minute": 44, "second": 38}
